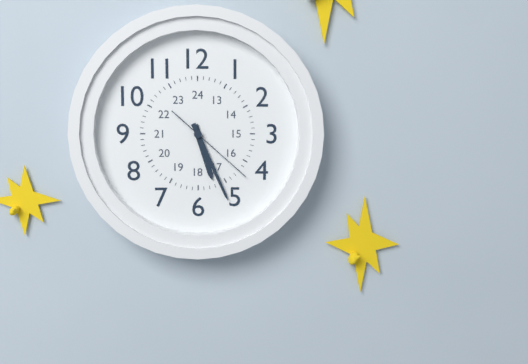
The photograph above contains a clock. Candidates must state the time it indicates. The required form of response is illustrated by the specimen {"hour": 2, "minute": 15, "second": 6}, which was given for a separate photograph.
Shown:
{"hour": 5, "minute": 26, "second": 22}
